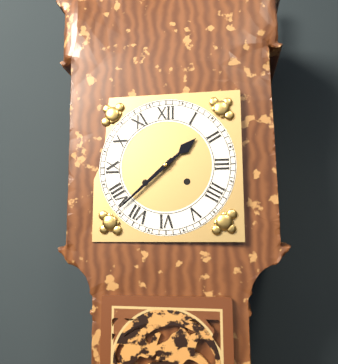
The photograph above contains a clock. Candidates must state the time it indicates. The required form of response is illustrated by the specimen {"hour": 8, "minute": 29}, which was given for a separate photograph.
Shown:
{"hour": 1, "minute": 38}
